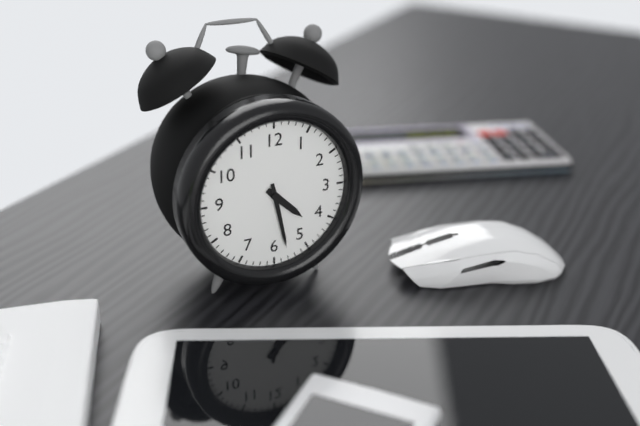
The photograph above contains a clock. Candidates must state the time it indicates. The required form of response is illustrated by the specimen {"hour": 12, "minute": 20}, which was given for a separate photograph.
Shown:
{"hour": 4, "minute": 28}
